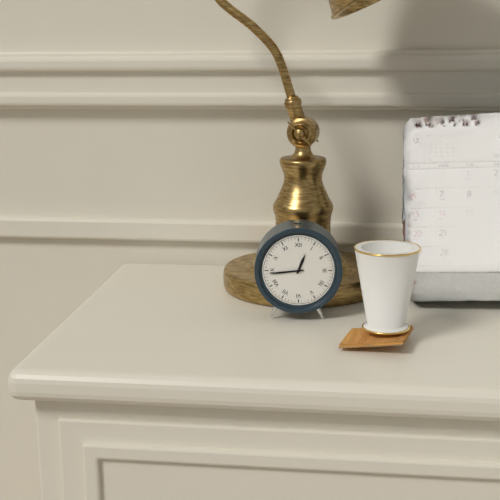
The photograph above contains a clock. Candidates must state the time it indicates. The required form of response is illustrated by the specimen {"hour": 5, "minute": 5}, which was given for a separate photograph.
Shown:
{"hour": 12, "minute": 44}
